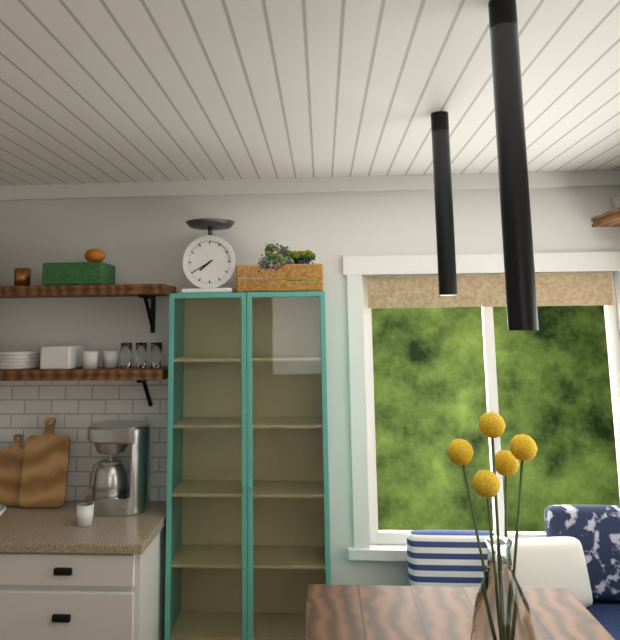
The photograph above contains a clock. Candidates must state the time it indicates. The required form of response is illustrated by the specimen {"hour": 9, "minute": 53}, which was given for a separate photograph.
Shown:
{"hour": 7, "minute": 40}
